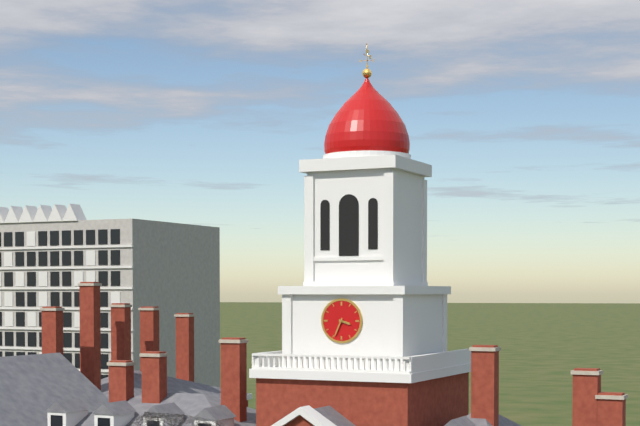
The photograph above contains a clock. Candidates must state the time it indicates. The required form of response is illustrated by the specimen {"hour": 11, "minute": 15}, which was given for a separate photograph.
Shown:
{"hour": 3, "minute": 34}
